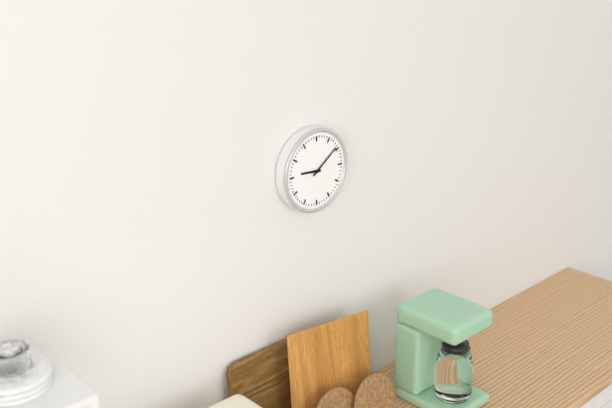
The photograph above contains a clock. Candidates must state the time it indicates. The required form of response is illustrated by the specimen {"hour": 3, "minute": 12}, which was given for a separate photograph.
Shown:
{"hour": 9, "minute": 9}
